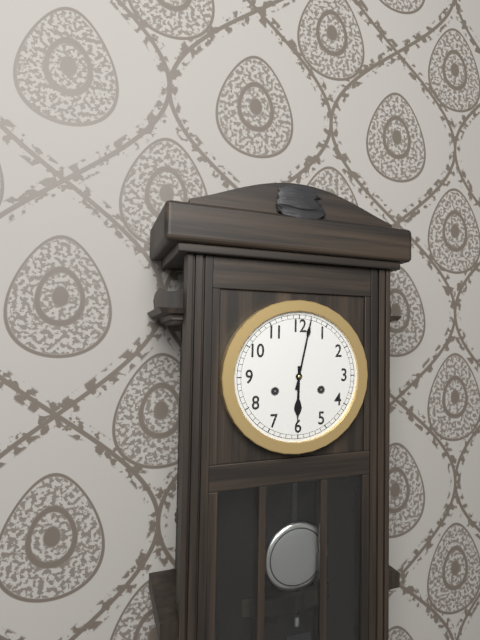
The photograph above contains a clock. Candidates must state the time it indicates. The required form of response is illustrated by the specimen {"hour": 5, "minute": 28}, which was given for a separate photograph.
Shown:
{"hour": 6, "minute": 2}
